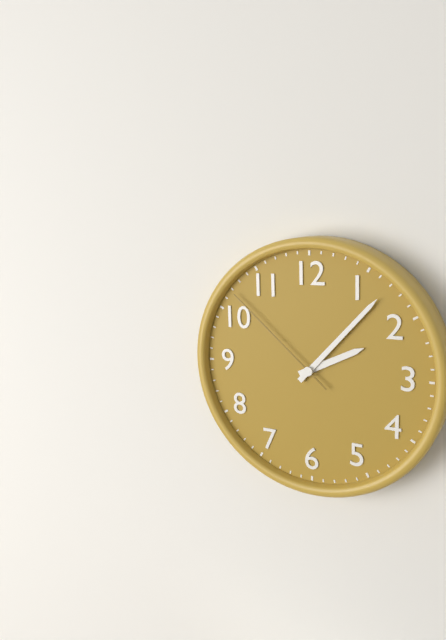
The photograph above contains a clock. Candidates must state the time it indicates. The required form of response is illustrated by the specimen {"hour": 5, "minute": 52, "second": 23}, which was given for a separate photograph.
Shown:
{"hour": 2, "minute": 7, "second": 52}
